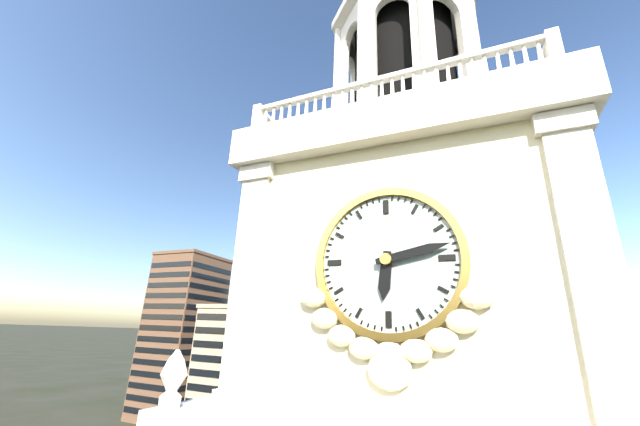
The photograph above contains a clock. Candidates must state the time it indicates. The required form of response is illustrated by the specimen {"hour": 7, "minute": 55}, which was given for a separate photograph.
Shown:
{"hour": 6, "minute": 13}
